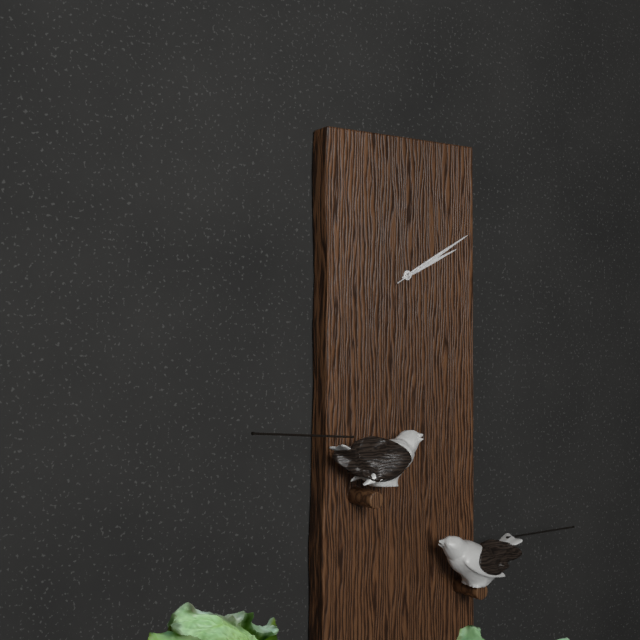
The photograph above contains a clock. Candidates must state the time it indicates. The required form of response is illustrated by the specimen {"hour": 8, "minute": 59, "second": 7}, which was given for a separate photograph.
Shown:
{"hour": 2, "minute": 10, "second": 10}
